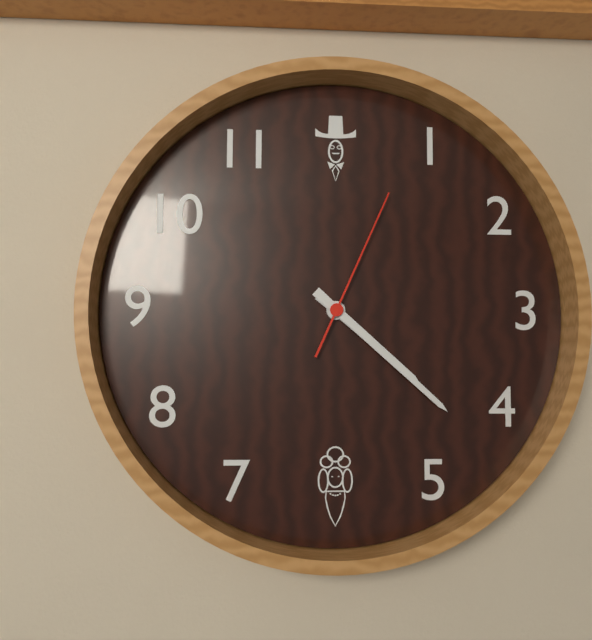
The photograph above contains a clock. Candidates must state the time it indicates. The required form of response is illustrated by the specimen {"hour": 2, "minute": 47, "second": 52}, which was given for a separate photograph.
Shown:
{"hour": 4, "minute": 22, "second": 4}
